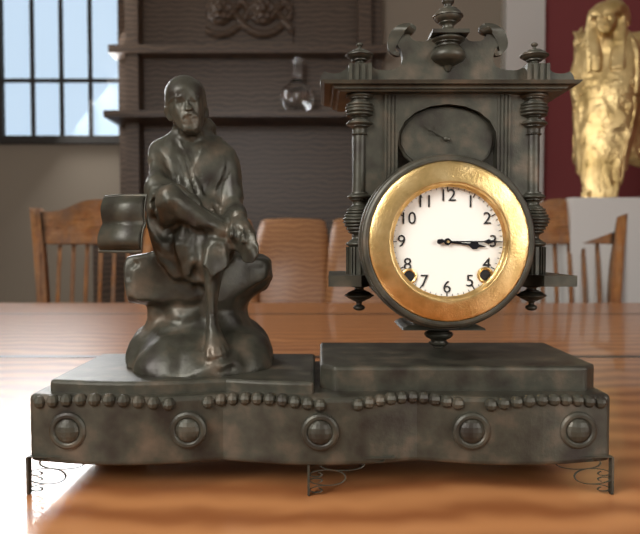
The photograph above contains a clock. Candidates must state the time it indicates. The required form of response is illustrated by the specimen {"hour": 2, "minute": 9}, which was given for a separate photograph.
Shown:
{"hour": 3, "minute": 15}
